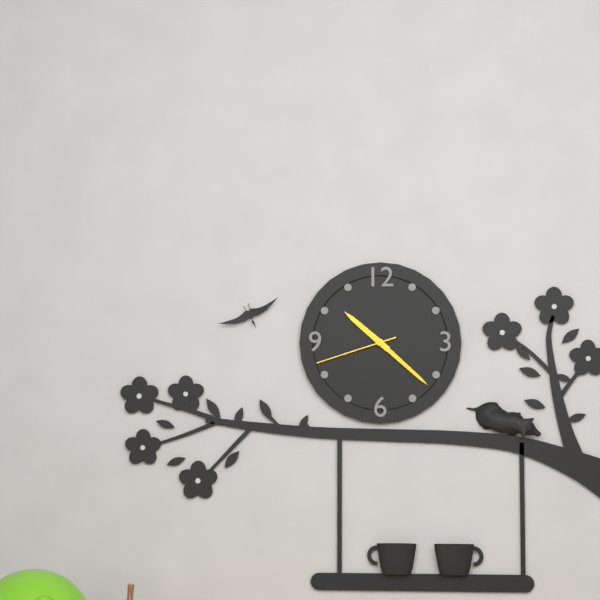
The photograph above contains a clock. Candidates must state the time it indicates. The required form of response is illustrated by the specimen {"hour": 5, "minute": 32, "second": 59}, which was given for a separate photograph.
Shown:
{"hour": 10, "minute": 22, "second": 42}
